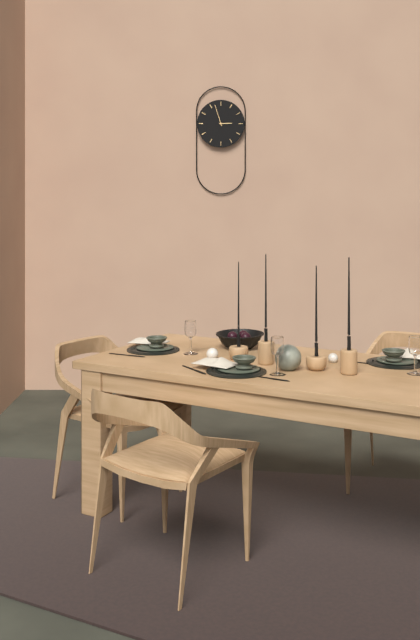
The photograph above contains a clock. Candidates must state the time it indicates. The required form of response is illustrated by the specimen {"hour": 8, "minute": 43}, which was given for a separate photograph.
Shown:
{"hour": 2, "minute": 57}
